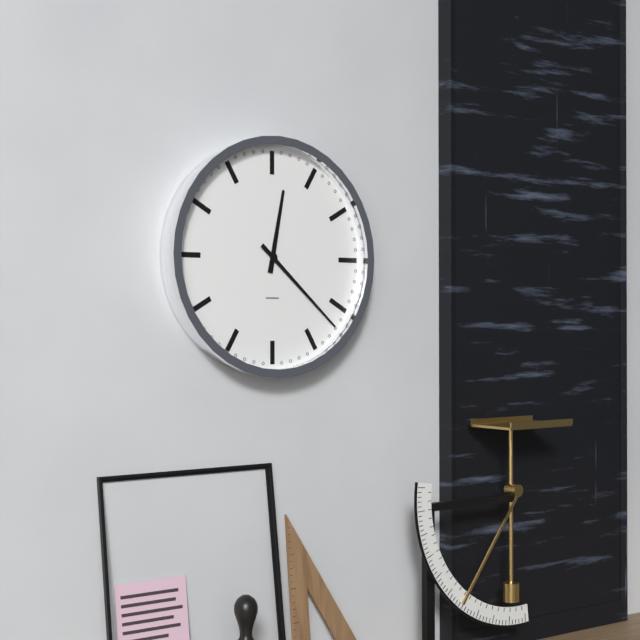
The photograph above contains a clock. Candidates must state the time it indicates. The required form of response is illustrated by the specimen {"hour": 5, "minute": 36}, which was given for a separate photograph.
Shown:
{"hour": 12, "minute": 22}
